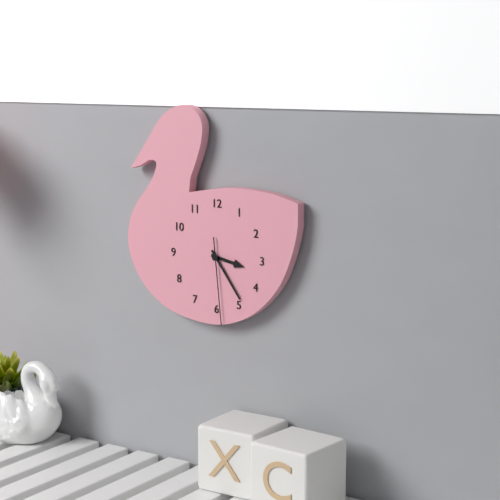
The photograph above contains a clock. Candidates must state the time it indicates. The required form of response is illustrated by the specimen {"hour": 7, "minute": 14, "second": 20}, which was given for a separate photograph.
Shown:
{"hour": 3, "minute": 24, "second": 29}
